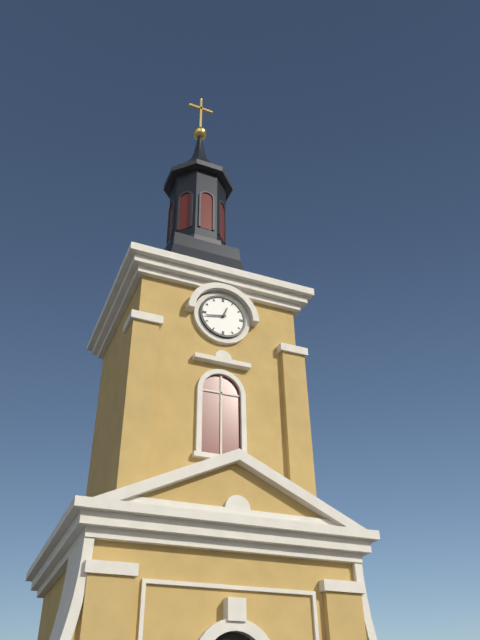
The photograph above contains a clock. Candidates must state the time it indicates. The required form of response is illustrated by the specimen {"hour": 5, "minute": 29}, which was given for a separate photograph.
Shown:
{"hour": 12, "minute": 43}
